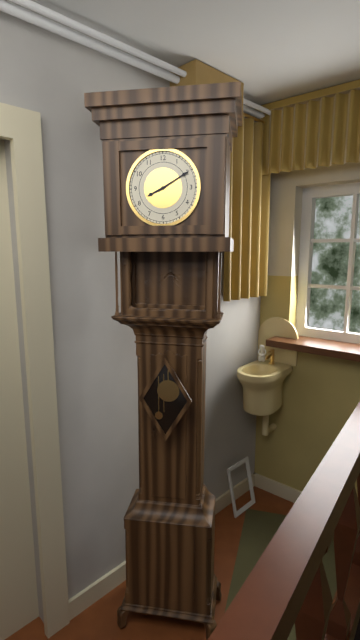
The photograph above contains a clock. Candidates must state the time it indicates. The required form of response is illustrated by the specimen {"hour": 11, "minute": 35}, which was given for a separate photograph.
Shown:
{"hour": 8, "minute": 10}
